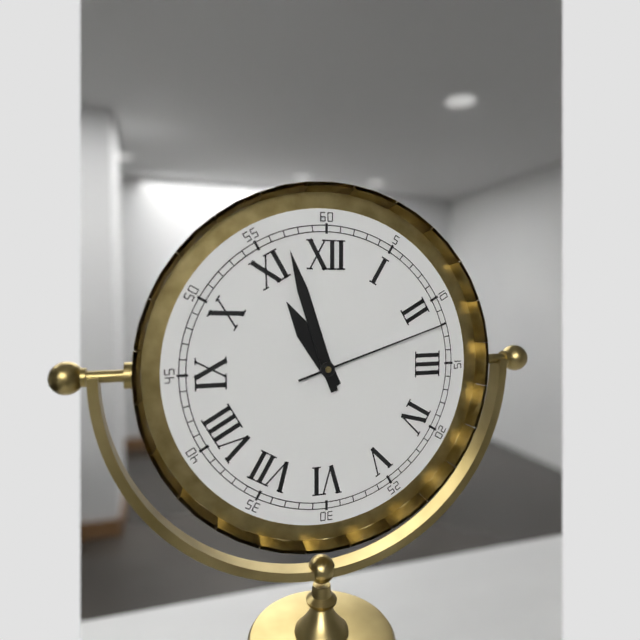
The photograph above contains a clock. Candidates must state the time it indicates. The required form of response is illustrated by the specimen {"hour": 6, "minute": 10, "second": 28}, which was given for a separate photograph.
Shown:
{"hour": 10, "minute": 57, "second": 12}
